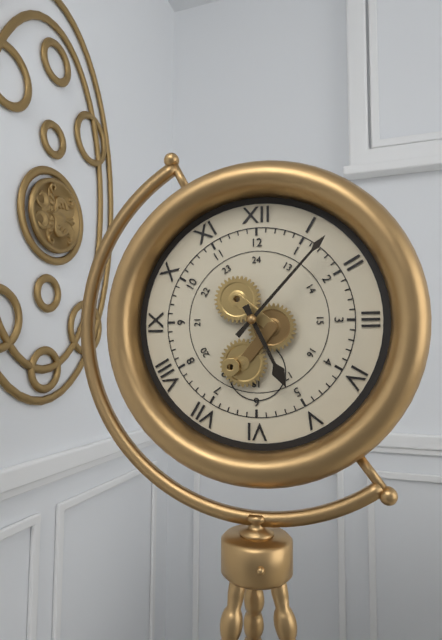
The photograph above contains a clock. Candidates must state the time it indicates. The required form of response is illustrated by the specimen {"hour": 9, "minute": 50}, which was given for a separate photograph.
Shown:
{"hour": 5, "minute": 7}
